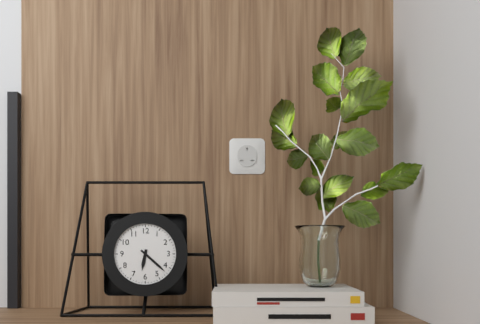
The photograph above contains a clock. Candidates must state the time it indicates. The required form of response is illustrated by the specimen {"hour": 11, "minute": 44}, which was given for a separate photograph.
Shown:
{"hour": 6, "minute": 22}
